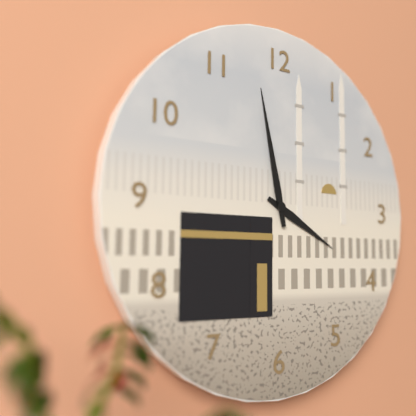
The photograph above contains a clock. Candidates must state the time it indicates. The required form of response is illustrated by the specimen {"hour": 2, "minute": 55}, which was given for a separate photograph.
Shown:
{"hour": 3, "minute": 58}
